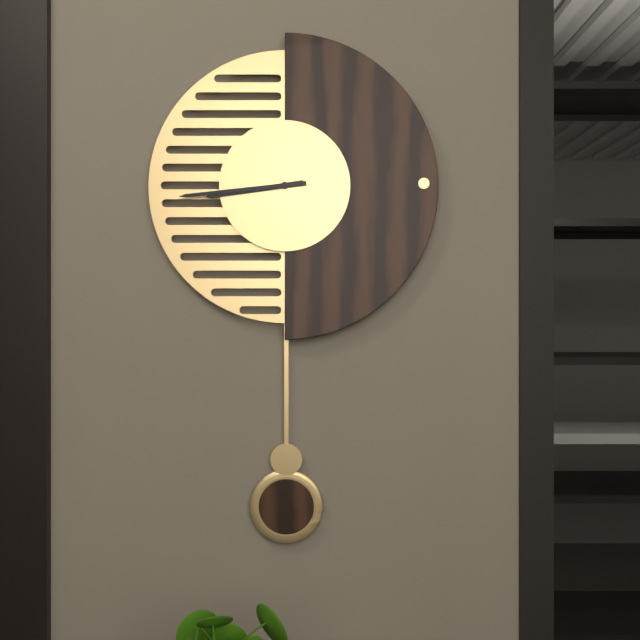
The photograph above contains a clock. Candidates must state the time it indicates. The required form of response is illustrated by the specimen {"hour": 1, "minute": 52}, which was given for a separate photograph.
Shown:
{"hour": 8, "minute": 44}
